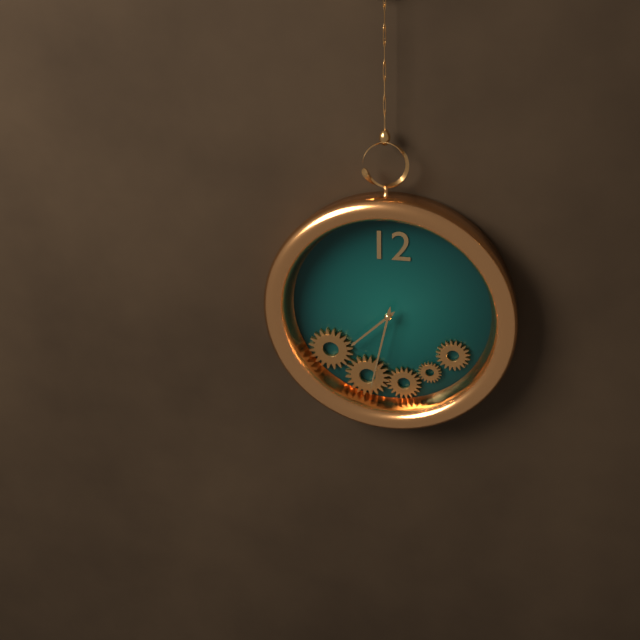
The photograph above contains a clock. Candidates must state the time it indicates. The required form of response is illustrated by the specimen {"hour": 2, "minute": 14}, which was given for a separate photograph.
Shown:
{"hour": 7, "minute": 32}
